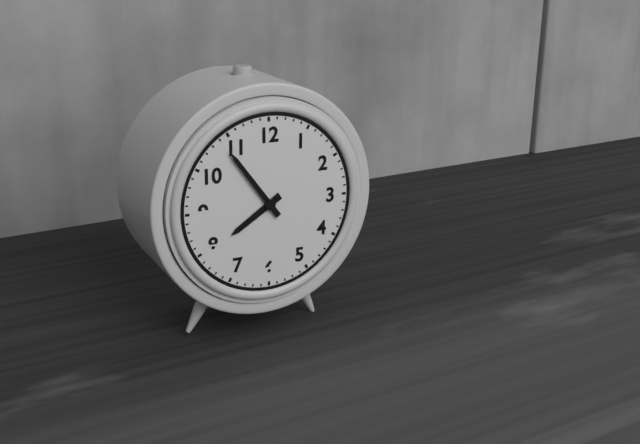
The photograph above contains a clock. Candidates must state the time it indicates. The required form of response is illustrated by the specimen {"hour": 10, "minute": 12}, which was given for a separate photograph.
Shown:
{"hour": 7, "minute": 54}
